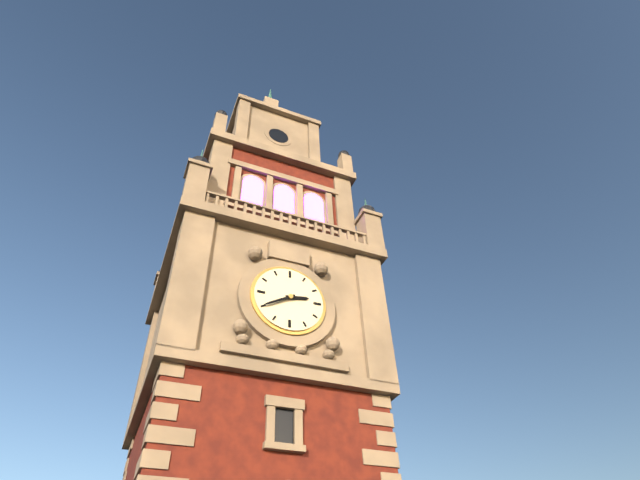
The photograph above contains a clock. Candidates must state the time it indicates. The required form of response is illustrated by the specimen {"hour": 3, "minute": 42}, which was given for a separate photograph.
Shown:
{"hour": 2, "minute": 40}
